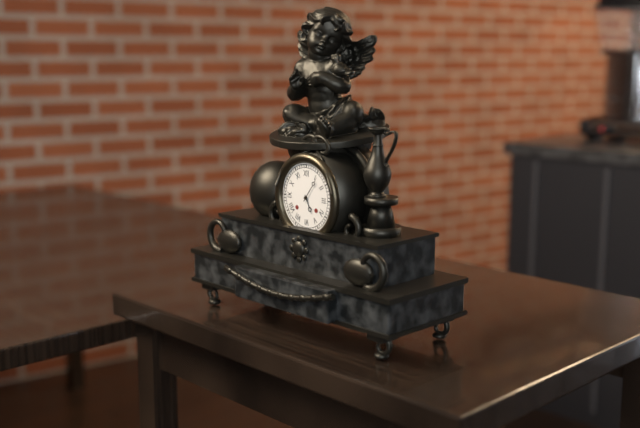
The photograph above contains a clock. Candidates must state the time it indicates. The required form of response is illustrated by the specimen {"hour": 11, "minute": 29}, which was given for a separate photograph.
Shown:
{"hour": 5, "minute": 6}
